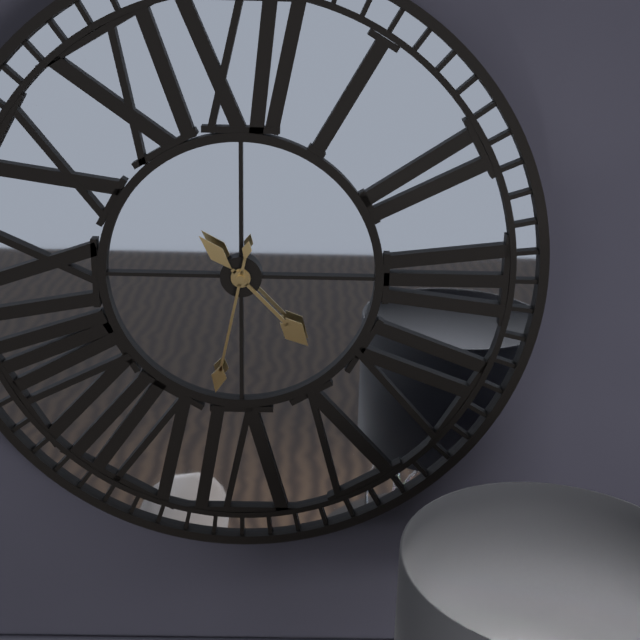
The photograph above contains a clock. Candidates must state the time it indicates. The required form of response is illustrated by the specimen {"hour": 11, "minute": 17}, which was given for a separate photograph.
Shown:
{"hour": 4, "minute": 32}
